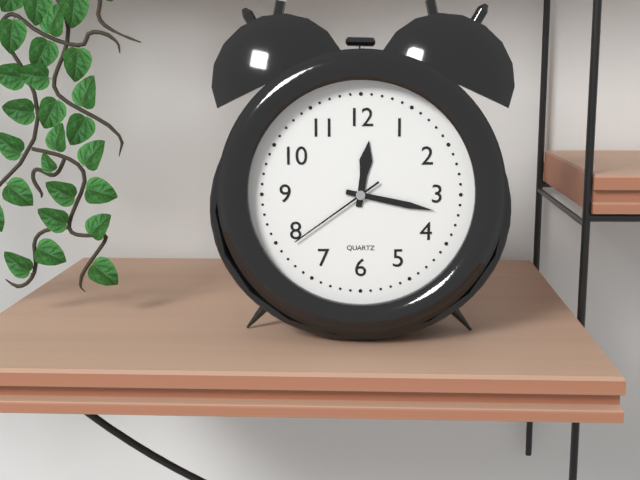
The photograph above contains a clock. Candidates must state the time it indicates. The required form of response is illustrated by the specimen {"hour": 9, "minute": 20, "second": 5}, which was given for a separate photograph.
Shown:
{"hour": 12, "minute": 17, "second": 39}
